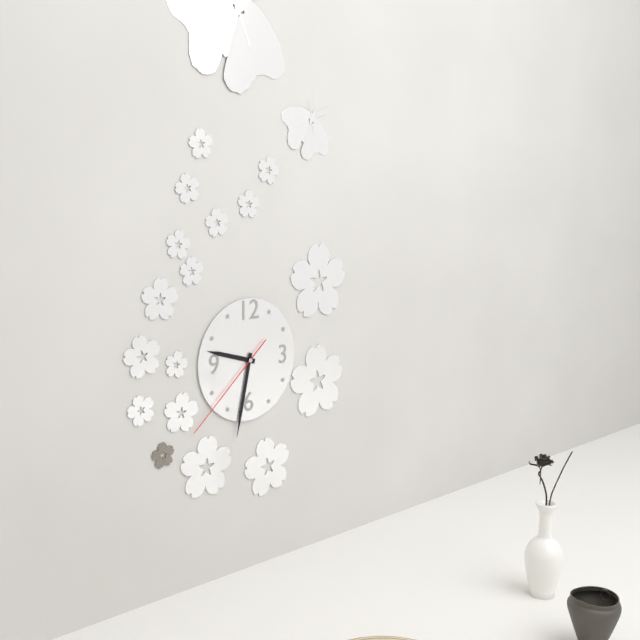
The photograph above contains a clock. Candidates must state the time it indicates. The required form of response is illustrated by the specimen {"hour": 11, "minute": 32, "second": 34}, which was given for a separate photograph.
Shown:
{"hour": 9, "minute": 32, "second": 38}
